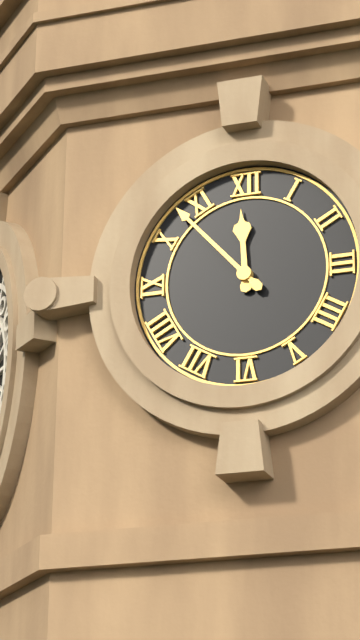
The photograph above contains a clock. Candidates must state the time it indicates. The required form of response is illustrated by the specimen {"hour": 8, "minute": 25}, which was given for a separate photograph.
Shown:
{"hour": 11, "minute": 53}
